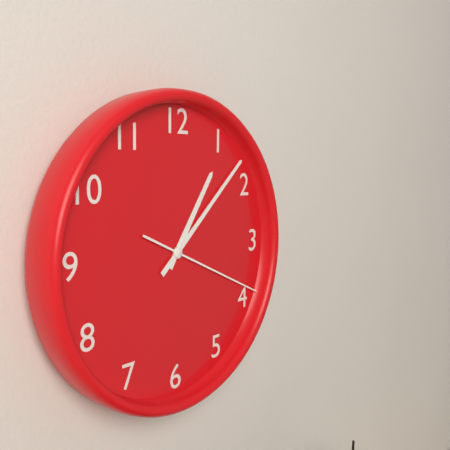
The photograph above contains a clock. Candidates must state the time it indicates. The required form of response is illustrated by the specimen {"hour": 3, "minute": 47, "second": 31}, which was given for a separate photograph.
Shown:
{"hour": 1, "minute": 8, "second": 19}
